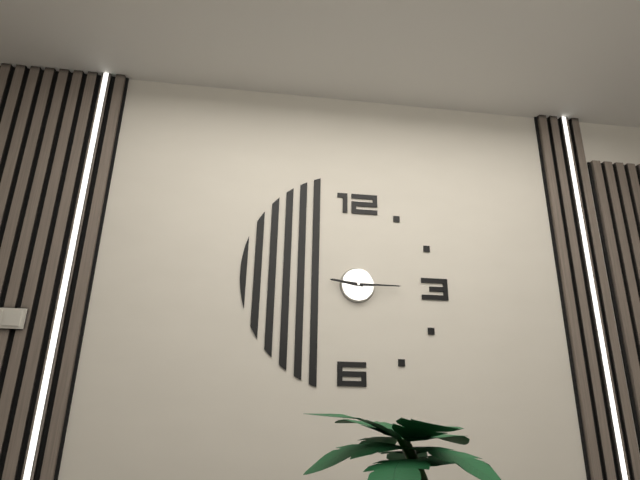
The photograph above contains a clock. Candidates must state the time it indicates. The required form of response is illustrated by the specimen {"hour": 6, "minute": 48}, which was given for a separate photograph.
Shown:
{"hour": 9, "minute": 15}
